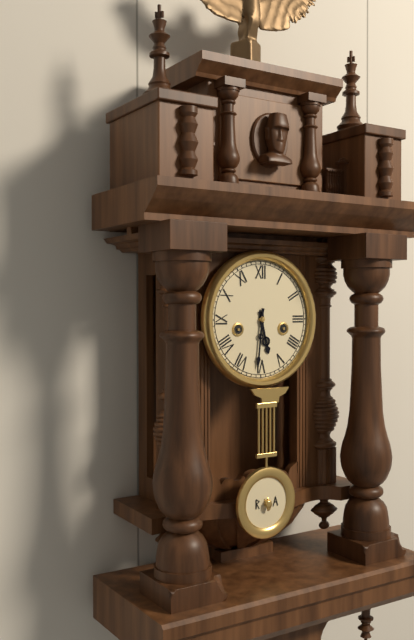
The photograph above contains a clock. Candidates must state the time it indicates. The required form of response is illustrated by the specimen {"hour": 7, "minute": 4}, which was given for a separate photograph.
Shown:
{"hour": 5, "minute": 31}
